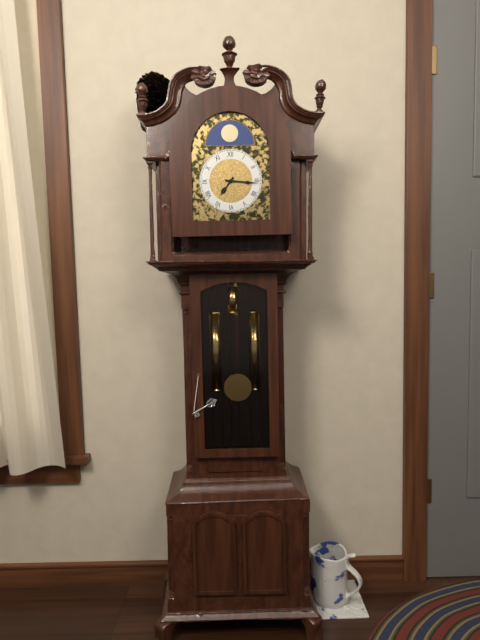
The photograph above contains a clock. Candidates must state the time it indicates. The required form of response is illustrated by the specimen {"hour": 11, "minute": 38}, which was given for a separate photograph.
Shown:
{"hour": 7, "minute": 16}
